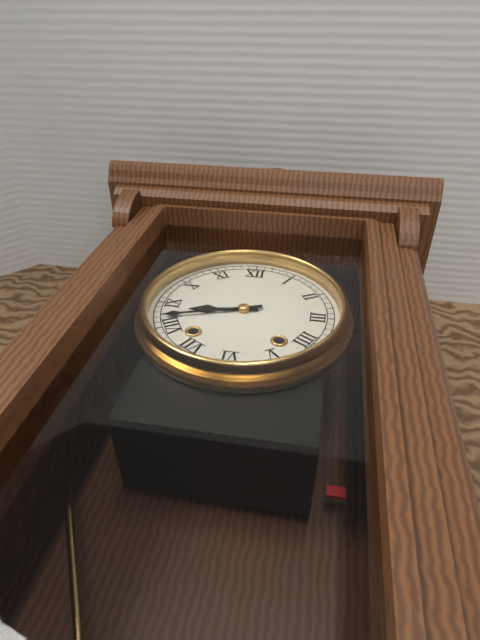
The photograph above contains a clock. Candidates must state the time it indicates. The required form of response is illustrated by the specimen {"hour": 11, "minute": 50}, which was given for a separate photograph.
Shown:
{"hour": 8, "minute": 42}
